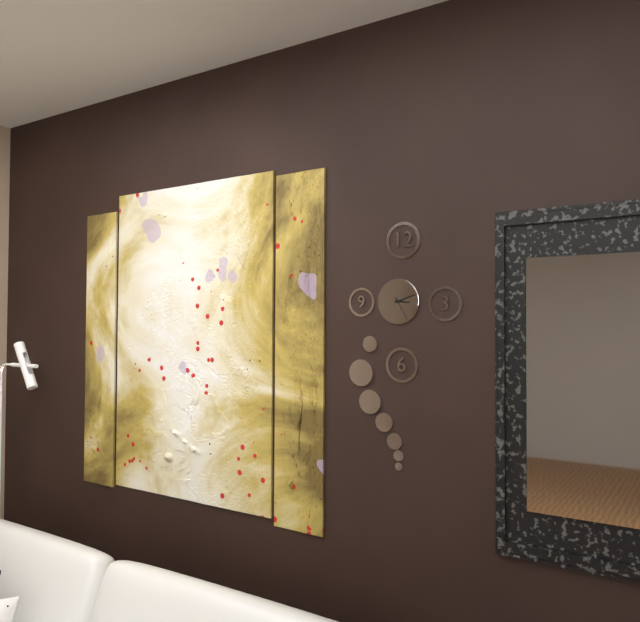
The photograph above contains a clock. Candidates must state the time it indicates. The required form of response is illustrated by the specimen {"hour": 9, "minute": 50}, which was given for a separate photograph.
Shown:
{"hour": 3, "minute": 12}
